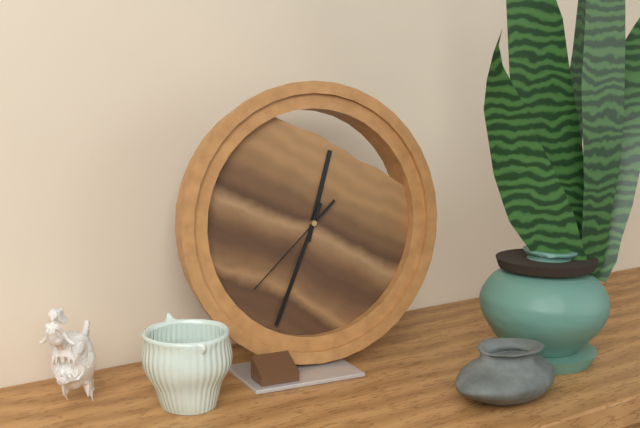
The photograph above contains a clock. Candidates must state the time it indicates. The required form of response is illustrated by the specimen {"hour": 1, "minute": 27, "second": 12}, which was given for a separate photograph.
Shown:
{"hour": 12, "minute": 34, "second": 38}
